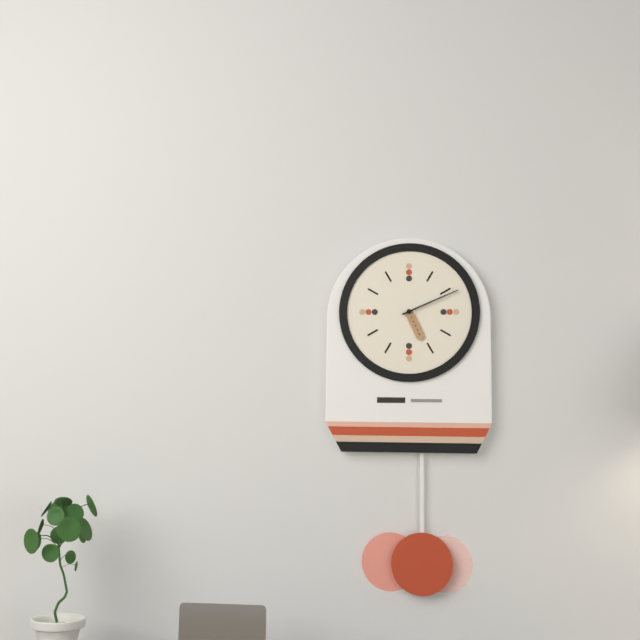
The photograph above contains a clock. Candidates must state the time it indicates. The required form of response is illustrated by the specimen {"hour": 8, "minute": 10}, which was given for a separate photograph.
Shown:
{"hour": 5, "minute": 11}
